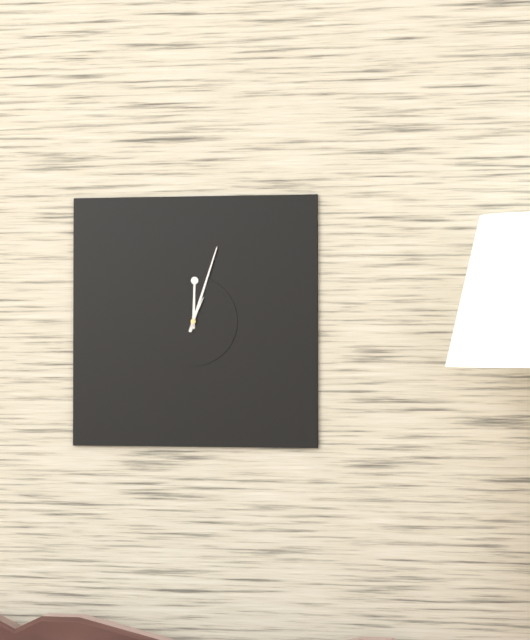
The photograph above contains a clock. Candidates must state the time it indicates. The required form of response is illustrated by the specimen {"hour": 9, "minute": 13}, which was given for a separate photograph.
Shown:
{"hour": 12, "minute": 3}
